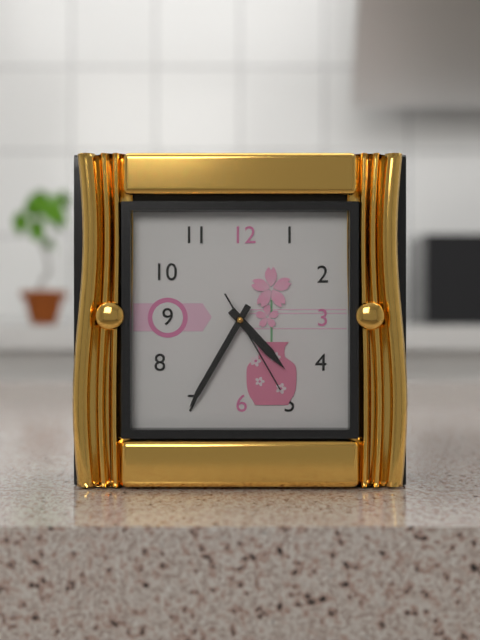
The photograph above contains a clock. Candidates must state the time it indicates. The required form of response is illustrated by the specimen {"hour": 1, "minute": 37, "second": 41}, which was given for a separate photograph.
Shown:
{"hour": 4, "minute": 35, "second": 25}
